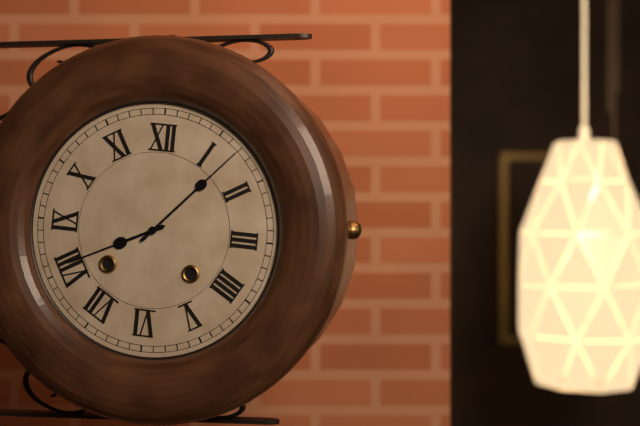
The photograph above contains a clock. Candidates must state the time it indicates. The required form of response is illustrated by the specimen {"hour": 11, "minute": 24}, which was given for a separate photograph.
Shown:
{"hour": 8, "minute": 7}
